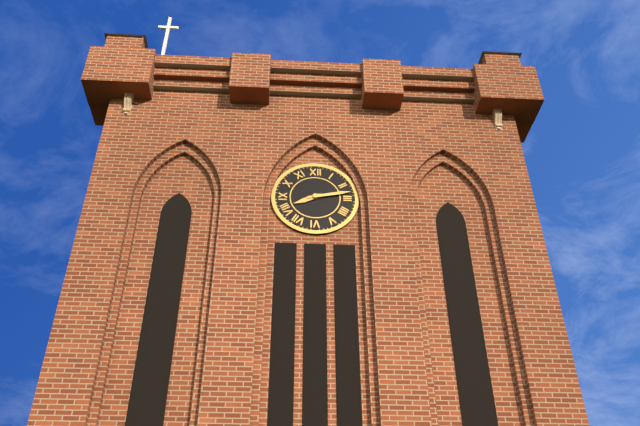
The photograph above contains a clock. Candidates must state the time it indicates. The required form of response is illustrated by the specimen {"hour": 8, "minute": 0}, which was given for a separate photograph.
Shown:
{"hour": 8, "minute": 13}
